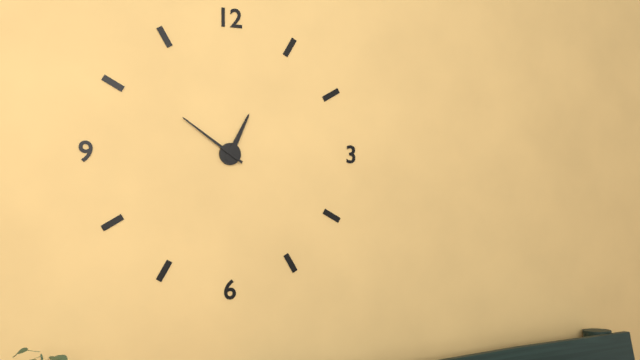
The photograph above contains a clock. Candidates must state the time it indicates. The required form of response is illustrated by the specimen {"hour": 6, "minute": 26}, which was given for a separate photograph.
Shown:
{"hour": 12, "minute": 51}
